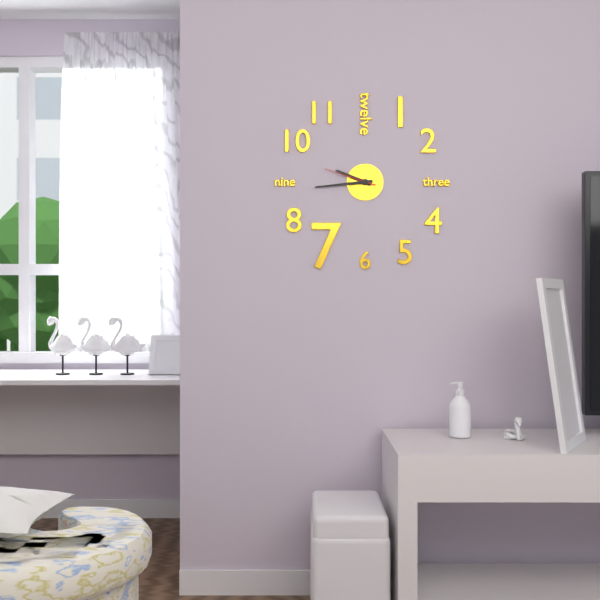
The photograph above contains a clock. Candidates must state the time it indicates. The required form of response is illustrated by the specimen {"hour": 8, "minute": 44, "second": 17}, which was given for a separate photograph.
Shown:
{"hour": 9, "minute": 44, "second": 48}
